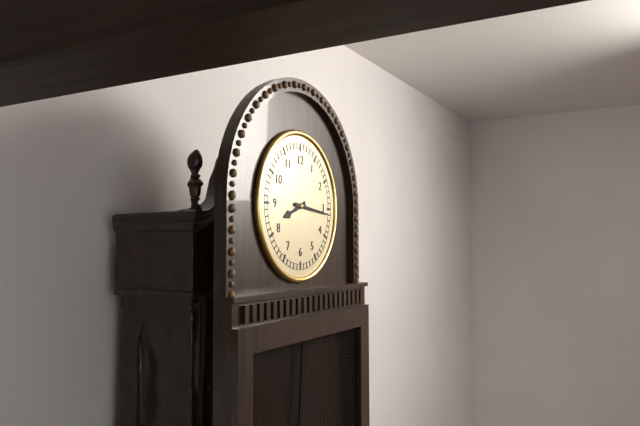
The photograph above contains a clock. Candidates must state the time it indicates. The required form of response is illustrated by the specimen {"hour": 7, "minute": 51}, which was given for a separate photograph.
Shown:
{"hour": 8, "minute": 16}
